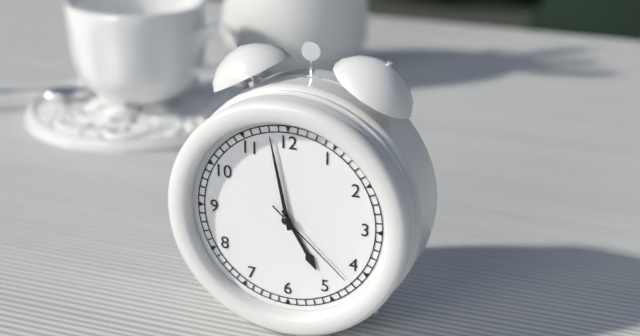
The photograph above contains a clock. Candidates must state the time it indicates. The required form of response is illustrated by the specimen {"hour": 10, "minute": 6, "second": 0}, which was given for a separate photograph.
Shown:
{"hour": 4, "minute": 58, "second": 22}
